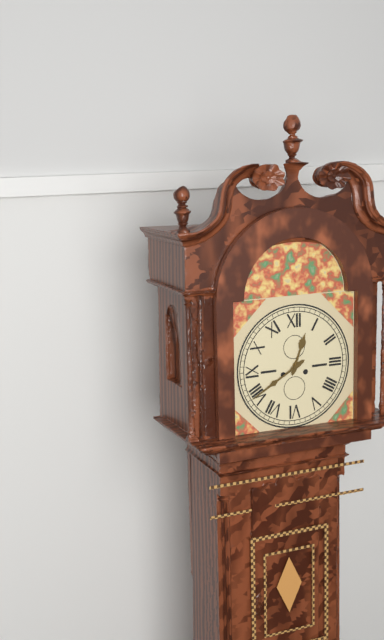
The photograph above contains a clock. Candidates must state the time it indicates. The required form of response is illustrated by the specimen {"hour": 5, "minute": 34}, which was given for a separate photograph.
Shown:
{"hour": 12, "minute": 40}
